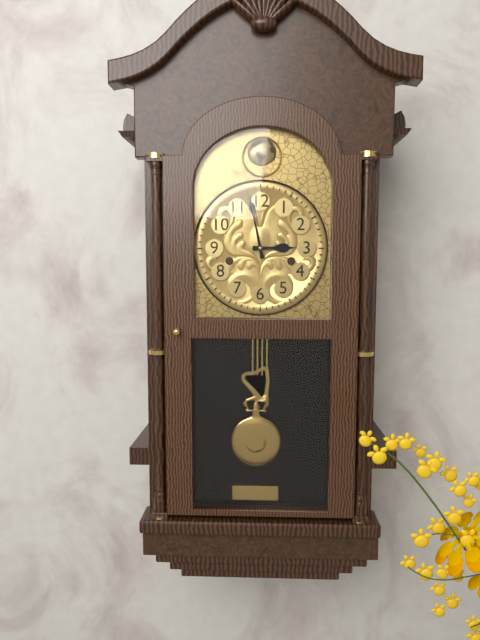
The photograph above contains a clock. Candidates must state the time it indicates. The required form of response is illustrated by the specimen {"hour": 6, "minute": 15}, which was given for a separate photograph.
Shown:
{"hour": 2, "minute": 58}
